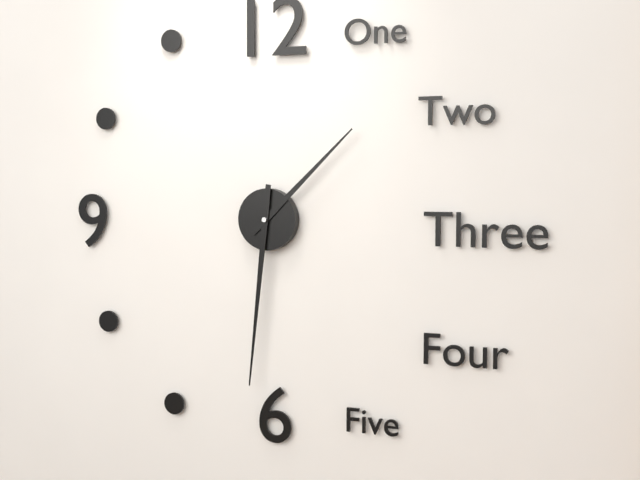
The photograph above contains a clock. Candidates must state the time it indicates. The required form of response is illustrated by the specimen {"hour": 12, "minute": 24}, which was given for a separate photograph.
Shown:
{"hour": 1, "minute": 31}
